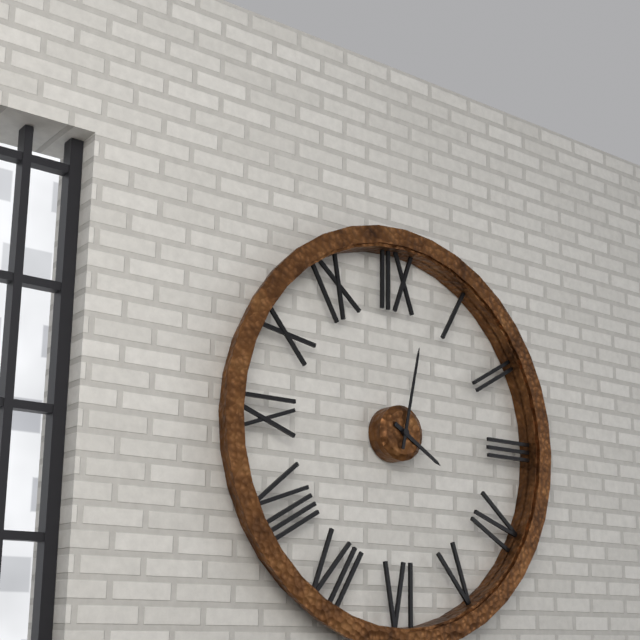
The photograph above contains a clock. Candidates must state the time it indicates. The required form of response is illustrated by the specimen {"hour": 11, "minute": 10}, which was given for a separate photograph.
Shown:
{"hour": 4, "minute": 2}
